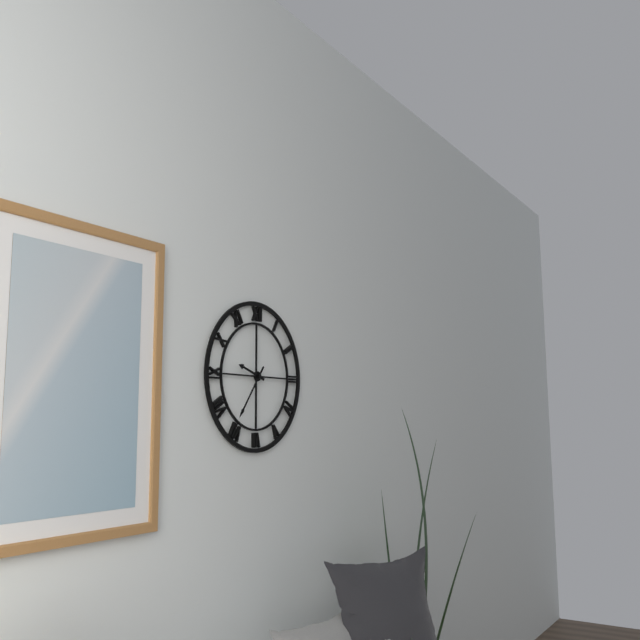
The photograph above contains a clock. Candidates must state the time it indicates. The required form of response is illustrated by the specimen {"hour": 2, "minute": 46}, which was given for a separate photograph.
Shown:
{"hour": 9, "minute": 36}
